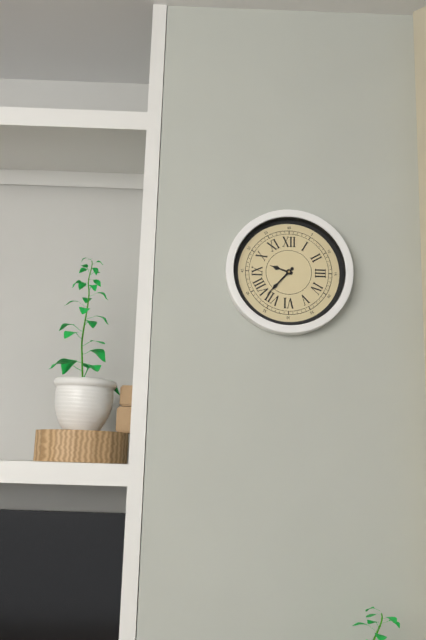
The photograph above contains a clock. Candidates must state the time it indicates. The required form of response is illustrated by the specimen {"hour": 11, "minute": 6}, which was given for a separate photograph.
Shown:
{"hour": 9, "minute": 37}
